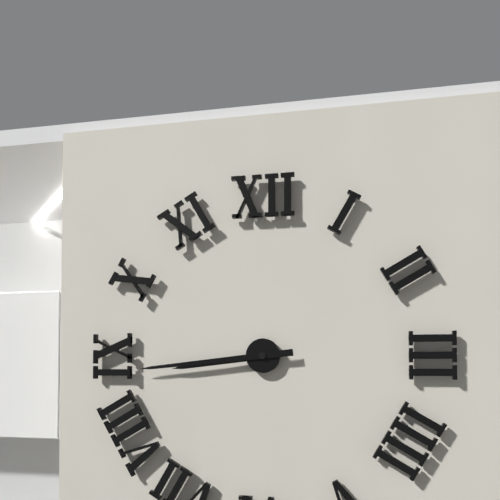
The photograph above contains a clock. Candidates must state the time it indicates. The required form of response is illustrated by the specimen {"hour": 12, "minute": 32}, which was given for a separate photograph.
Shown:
{"hour": 8, "minute": 44}
